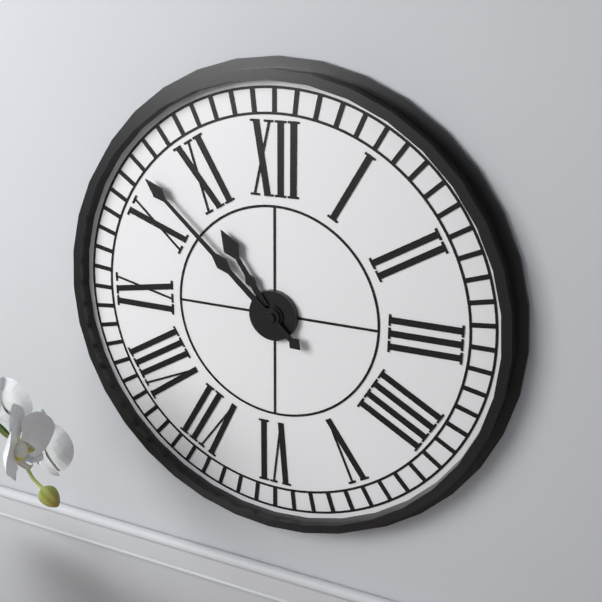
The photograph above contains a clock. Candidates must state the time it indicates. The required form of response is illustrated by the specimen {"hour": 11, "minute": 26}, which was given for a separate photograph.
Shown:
{"hour": 10, "minute": 52}
